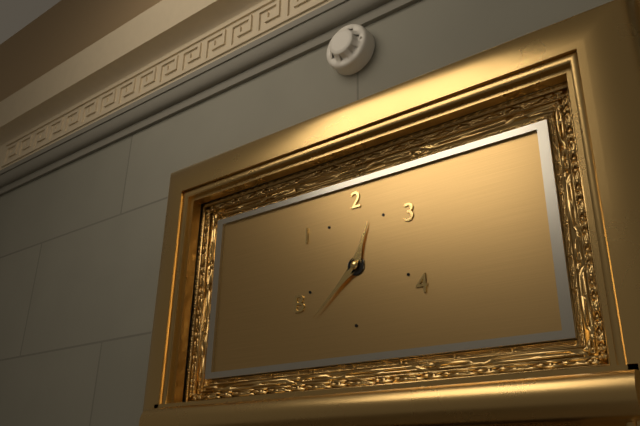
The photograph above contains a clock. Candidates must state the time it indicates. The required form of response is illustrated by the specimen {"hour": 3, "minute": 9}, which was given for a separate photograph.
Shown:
{"hour": 12, "minute": 38}
